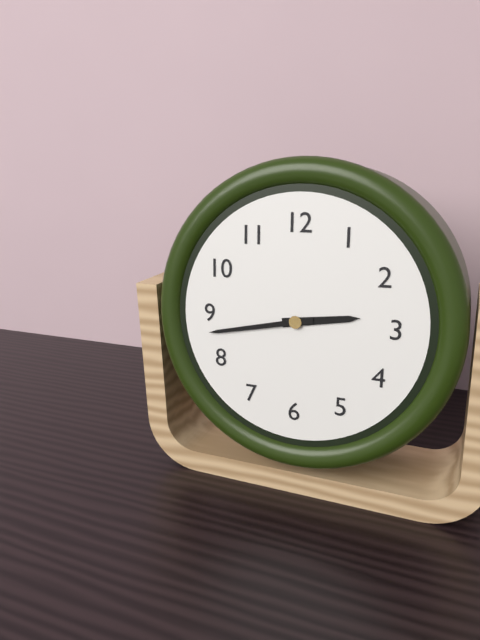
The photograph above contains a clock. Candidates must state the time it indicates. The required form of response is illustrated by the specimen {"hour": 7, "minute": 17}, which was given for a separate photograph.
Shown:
{"hour": 2, "minute": 43}
